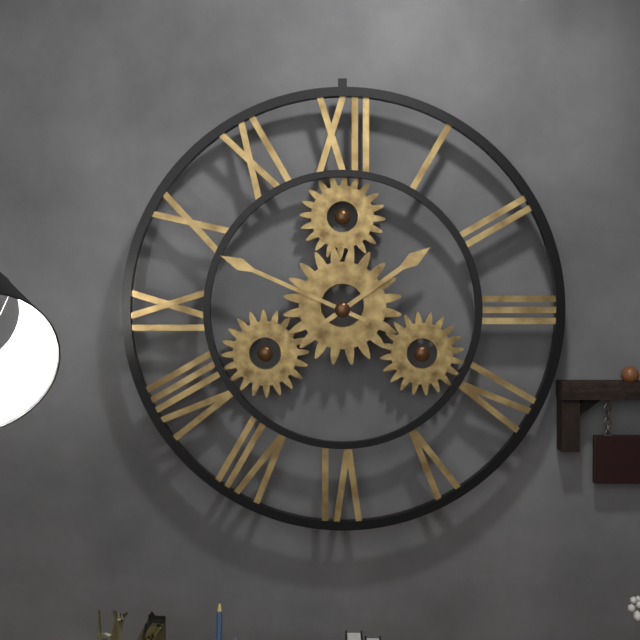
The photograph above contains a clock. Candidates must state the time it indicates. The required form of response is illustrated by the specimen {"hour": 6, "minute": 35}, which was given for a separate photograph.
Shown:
{"hour": 1, "minute": 49}
